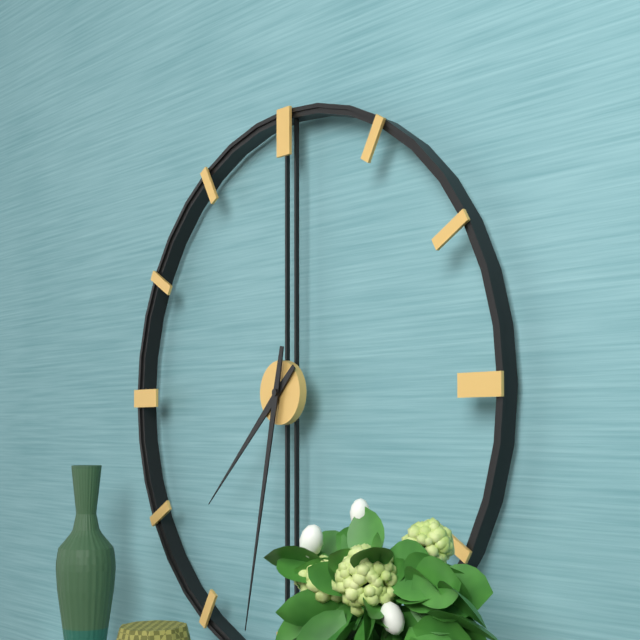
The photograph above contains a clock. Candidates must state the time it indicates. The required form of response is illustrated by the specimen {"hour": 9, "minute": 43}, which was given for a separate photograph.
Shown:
{"hour": 7, "minute": 32}
